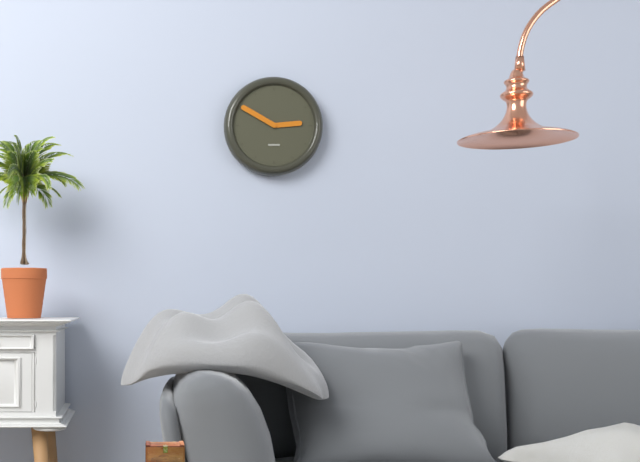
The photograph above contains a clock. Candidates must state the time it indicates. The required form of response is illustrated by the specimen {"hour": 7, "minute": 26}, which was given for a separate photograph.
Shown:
{"hour": 2, "minute": 50}
